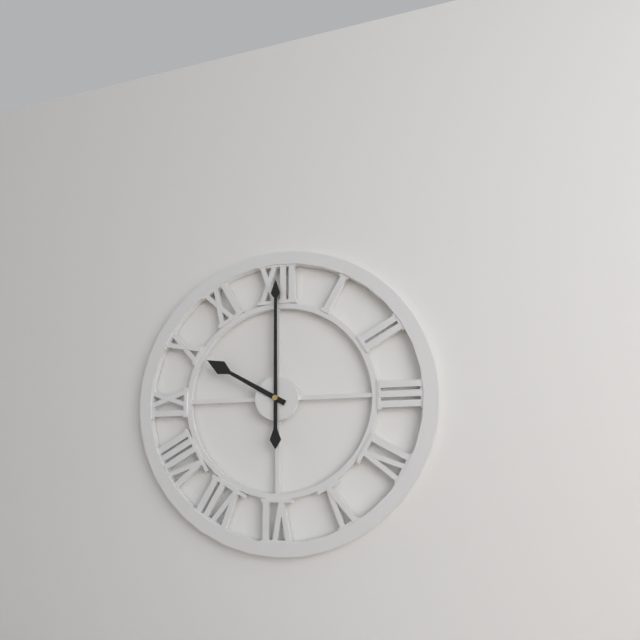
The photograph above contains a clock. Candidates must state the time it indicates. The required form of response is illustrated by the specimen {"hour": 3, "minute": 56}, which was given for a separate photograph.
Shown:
{"hour": 10, "minute": 0}
